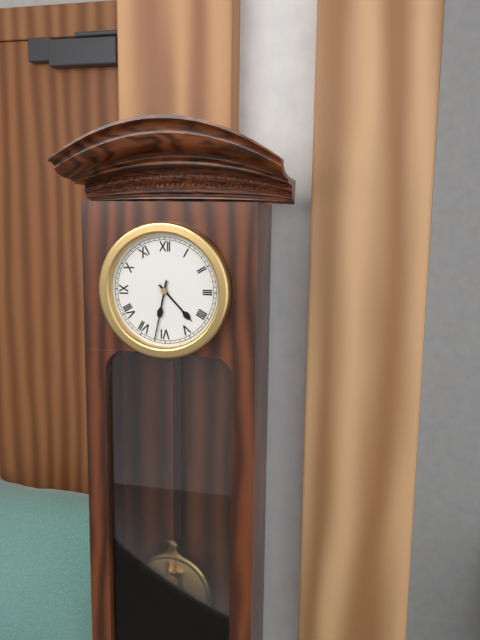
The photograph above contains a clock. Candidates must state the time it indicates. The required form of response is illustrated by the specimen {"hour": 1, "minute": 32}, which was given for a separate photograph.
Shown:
{"hour": 4, "minute": 32}
